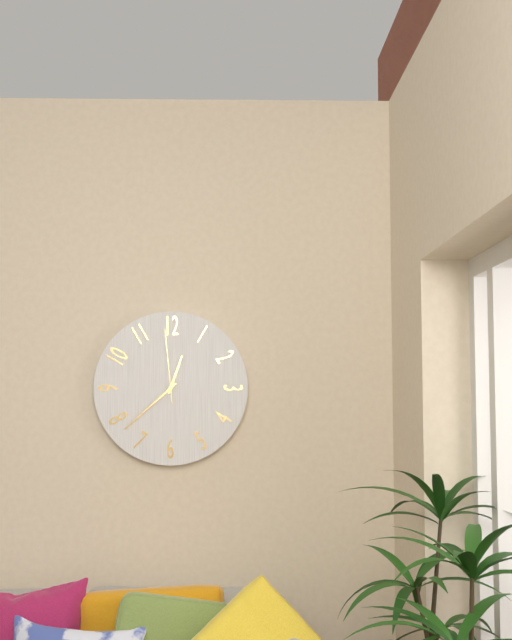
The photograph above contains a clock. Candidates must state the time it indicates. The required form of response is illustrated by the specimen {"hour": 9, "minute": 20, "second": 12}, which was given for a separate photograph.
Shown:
{"hour": 12, "minute": 38, "second": 59}
